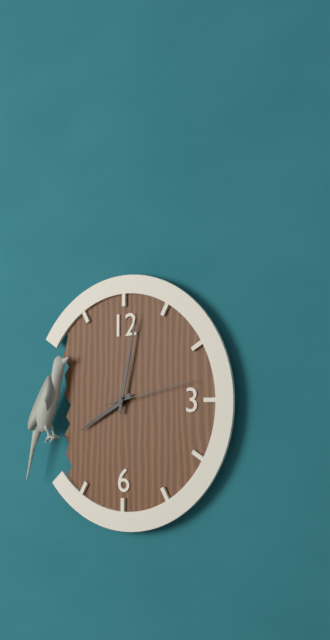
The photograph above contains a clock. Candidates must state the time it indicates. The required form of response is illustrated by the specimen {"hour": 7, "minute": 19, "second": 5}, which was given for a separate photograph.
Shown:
{"hour": 8, "minute": 2, "second": 13}
